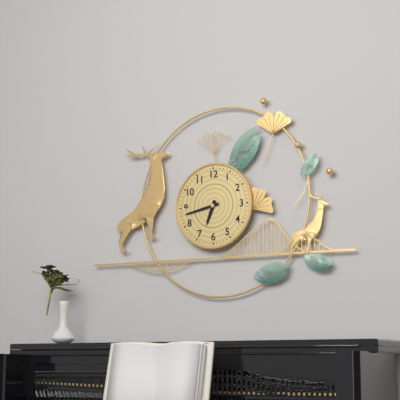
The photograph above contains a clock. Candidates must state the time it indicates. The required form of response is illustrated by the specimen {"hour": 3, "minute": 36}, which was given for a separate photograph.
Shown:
{"hour": 6, "minute": 43}
